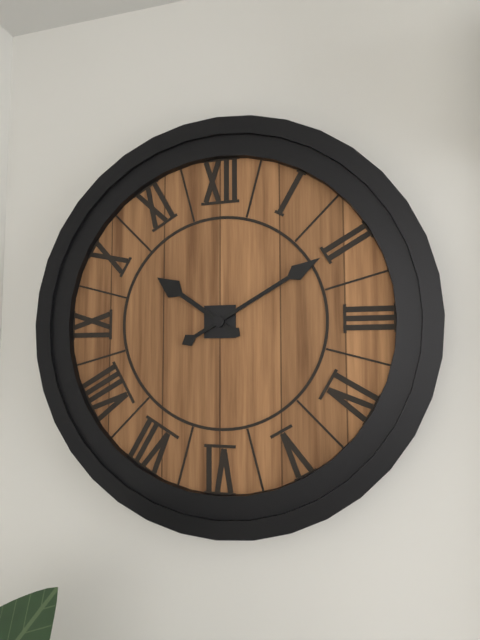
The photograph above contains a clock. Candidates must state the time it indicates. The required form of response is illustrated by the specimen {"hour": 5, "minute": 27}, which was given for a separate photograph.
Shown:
{"hour": 10, "minute": 10}
